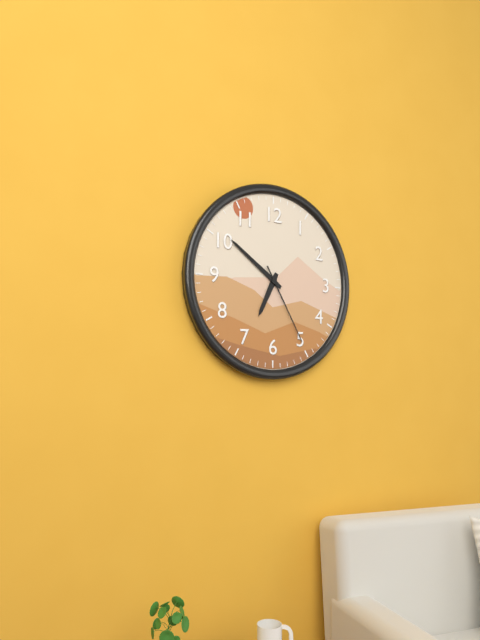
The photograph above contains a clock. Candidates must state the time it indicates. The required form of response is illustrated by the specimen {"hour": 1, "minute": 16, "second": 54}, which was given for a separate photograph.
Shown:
{"hour": 6, "minute": 51, "second": 25}
